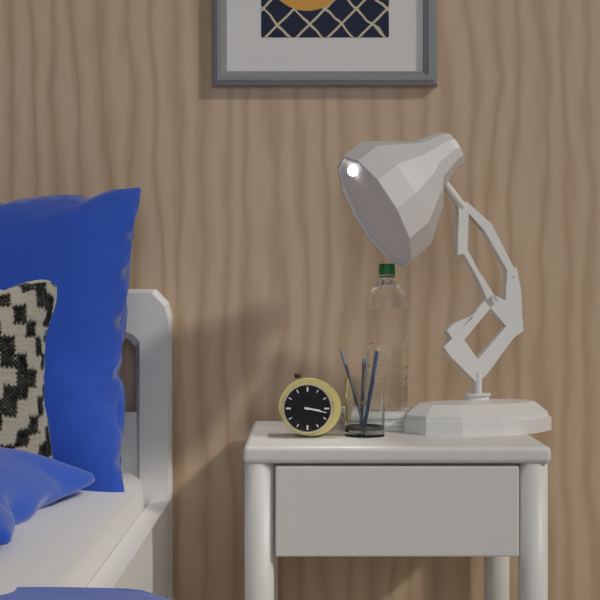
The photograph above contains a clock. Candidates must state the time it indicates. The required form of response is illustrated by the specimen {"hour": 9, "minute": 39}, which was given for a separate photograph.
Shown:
{"hour": 3, "minute": 17}
